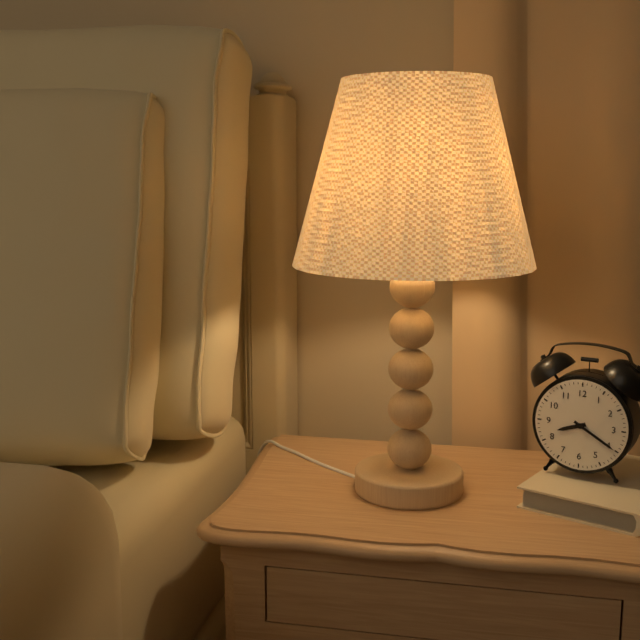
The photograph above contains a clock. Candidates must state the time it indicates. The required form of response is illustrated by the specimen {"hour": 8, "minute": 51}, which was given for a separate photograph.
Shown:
{"hour": 8, "minute": 20}
